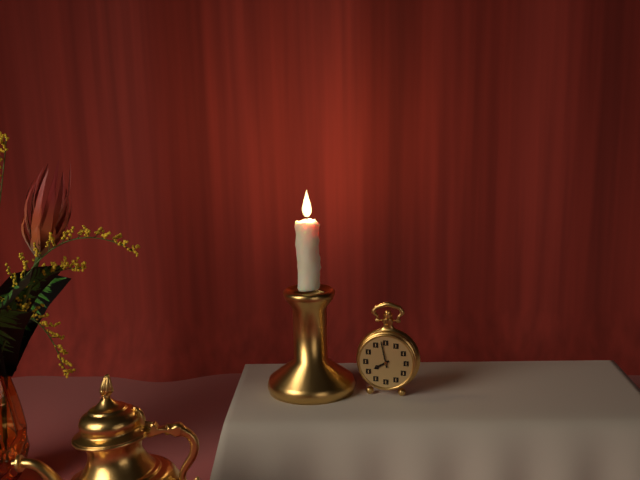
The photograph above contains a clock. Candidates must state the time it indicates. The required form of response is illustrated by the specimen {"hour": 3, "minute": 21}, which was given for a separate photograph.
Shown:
{"hour": 7, "minute": 58}
